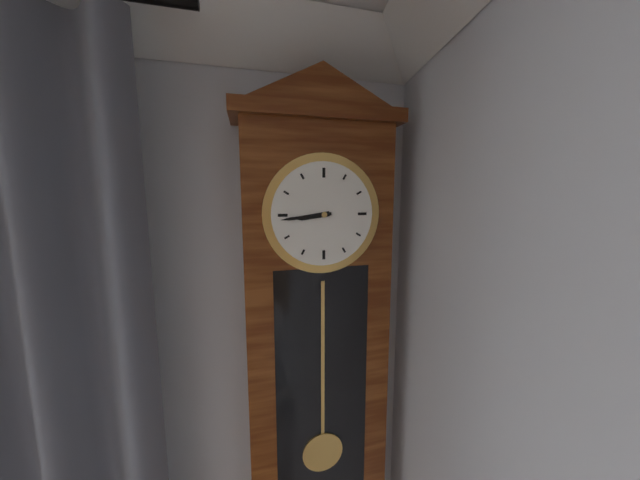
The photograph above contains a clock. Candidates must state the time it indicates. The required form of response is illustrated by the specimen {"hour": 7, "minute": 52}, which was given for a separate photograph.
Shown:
{"hour": 8, "minute": 44}
